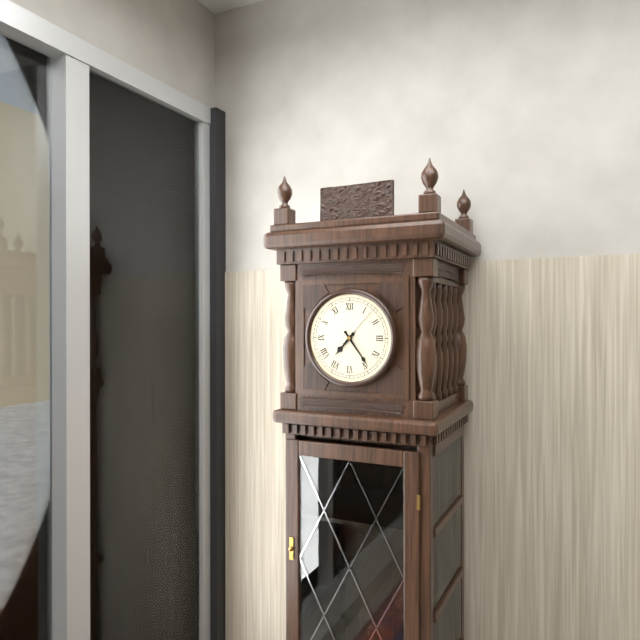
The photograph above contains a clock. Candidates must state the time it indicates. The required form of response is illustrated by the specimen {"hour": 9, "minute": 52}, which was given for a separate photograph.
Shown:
{"hour": 7, "minute": 24}
